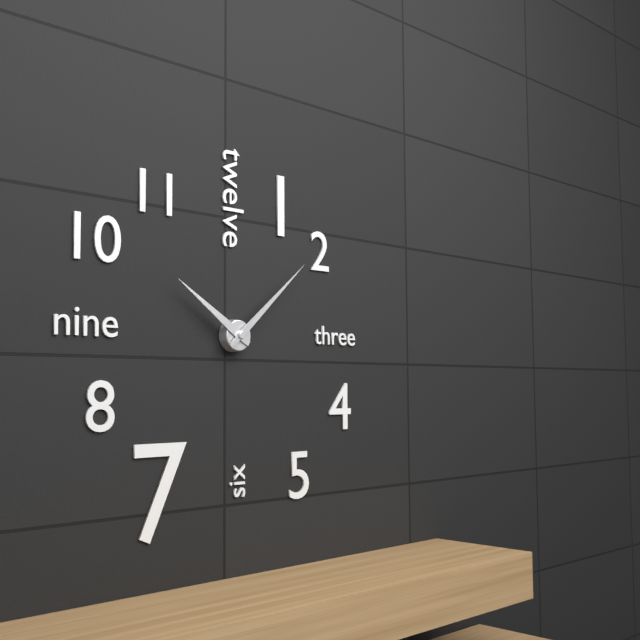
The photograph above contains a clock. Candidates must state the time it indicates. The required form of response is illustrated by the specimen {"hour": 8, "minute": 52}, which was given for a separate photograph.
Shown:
{"hour": 10, "minute": 8}
